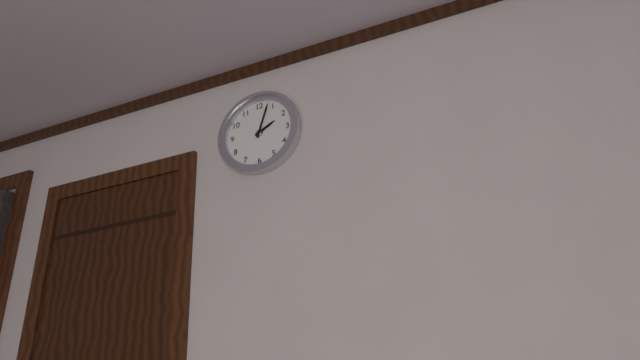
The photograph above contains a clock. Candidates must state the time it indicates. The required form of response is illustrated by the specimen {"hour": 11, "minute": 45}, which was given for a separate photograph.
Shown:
{"hour": 2, "minute": 3}
